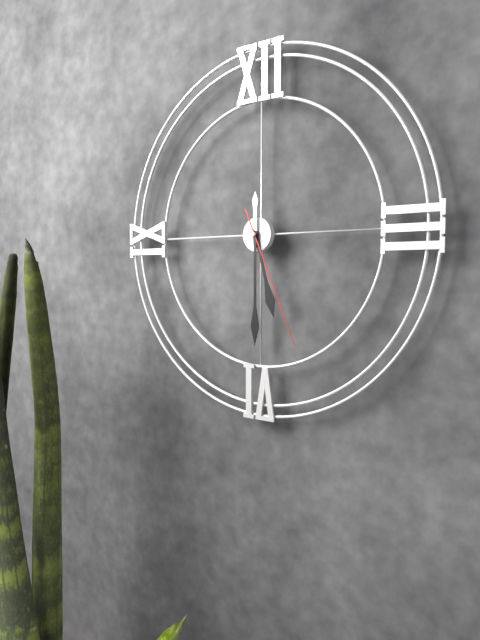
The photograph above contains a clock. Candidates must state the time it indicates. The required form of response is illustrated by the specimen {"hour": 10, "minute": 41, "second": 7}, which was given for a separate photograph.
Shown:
{"hour": 5, "minute": 30, "second": 26}
